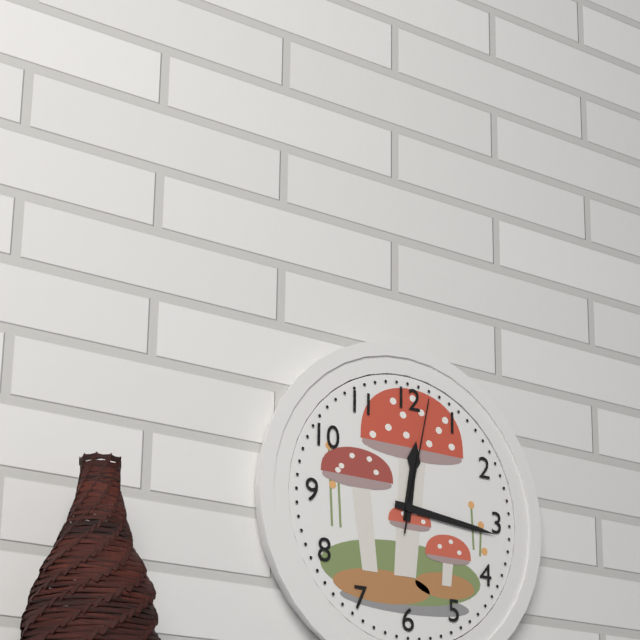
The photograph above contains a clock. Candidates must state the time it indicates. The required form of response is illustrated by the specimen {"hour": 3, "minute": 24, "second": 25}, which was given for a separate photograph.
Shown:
{"hour": 12, "minute": 16, "second": 2}
